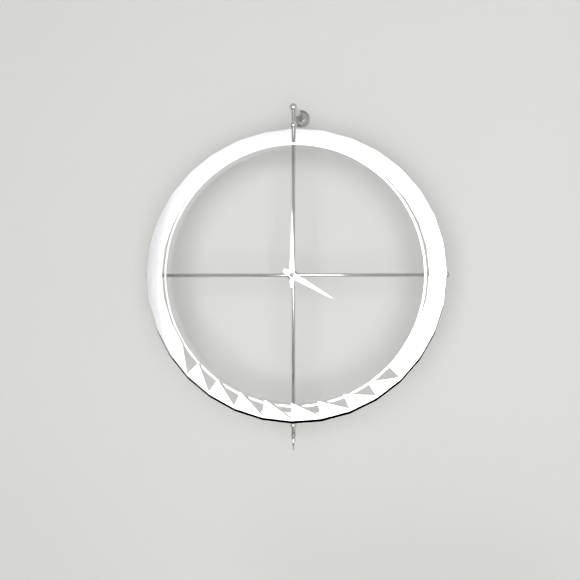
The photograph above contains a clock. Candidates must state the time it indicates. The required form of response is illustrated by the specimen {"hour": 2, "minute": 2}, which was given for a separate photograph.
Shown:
{"hour": 4, "minute": 0}
